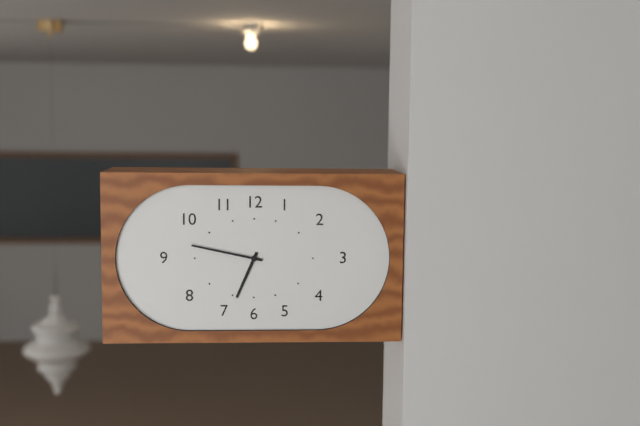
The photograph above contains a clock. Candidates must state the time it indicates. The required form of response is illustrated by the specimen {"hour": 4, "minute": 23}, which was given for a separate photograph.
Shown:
{"hour": 6, "minute": 47}
